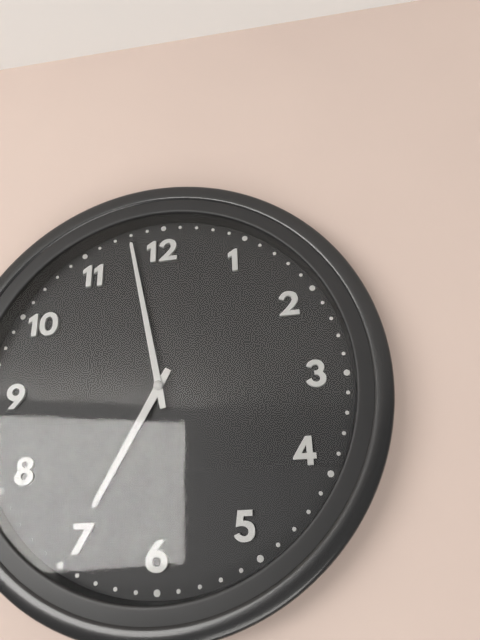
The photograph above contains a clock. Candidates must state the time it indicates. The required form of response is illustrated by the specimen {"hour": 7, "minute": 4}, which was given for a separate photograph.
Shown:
{"hour": 6, "minute": 58}
